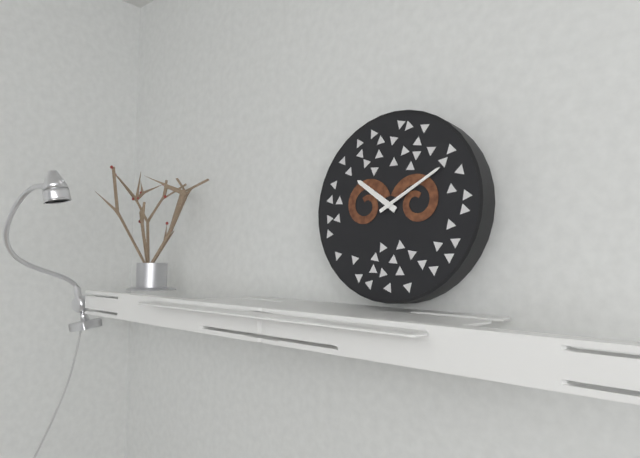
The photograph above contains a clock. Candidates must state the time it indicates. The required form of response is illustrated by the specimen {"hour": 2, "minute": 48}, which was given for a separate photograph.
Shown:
{"hour": 10, "minute": 10}
